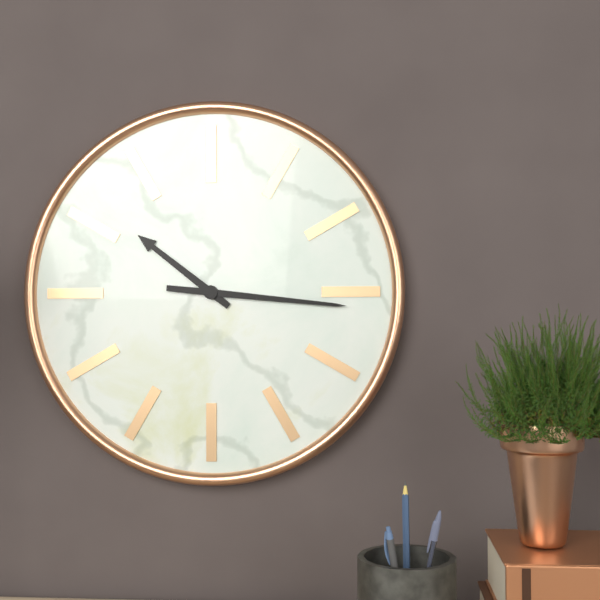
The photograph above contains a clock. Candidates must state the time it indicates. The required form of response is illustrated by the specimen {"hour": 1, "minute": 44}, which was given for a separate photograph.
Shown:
{"hour": 10, "minute": 16}
